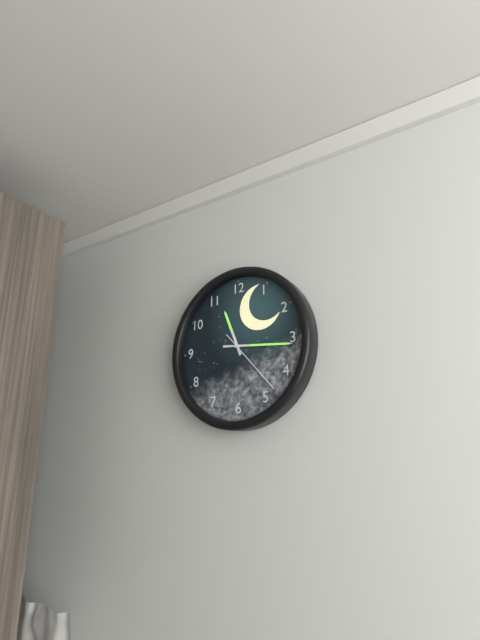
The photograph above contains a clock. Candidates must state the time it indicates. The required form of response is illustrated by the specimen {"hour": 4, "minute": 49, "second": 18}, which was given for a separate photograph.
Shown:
{"hour": 11, "minute": 16, "second": 23}
